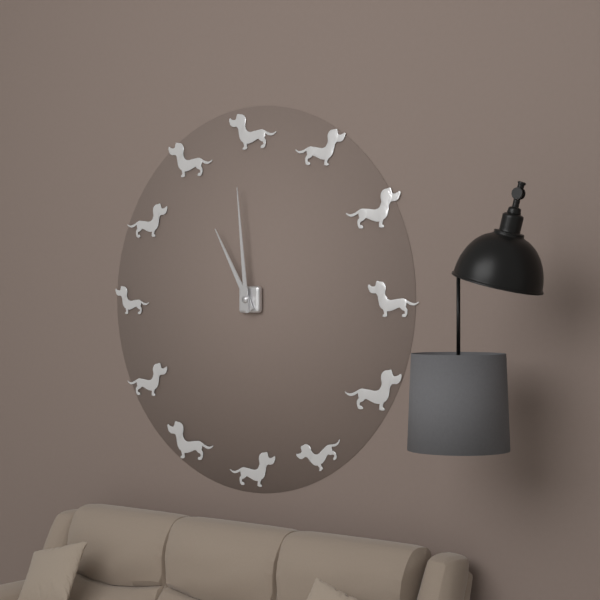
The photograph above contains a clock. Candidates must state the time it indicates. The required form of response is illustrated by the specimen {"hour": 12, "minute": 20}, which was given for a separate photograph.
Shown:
{"hour": 10, "minute": 59}
